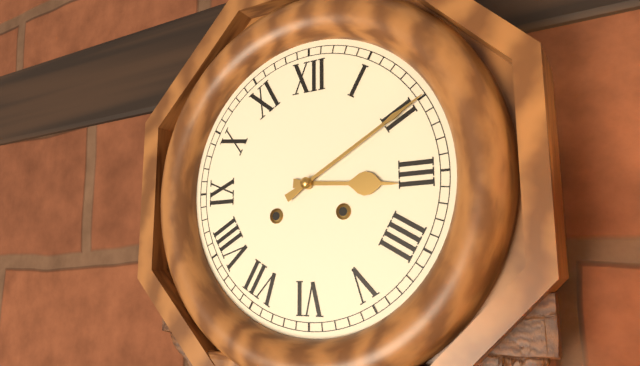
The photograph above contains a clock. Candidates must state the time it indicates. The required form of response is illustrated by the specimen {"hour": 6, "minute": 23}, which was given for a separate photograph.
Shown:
{"hour": 3, "minute": 10}
